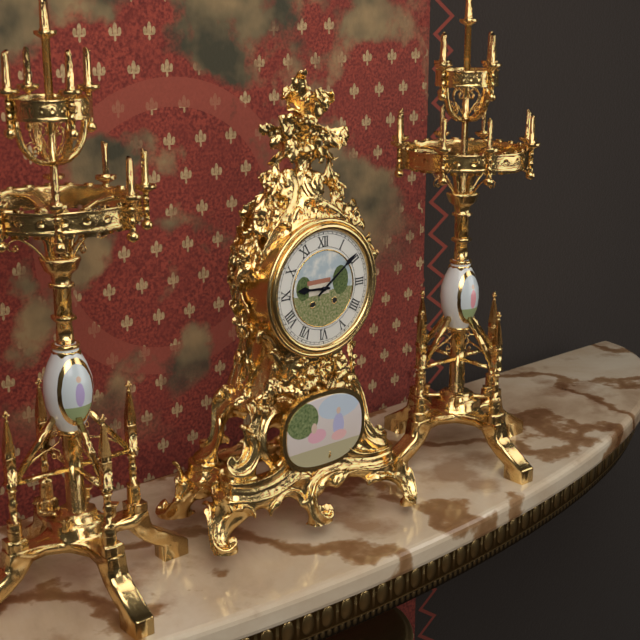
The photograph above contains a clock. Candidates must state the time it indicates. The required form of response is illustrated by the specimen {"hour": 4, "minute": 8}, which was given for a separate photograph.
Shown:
{"hour": 9, "minute": 9}
